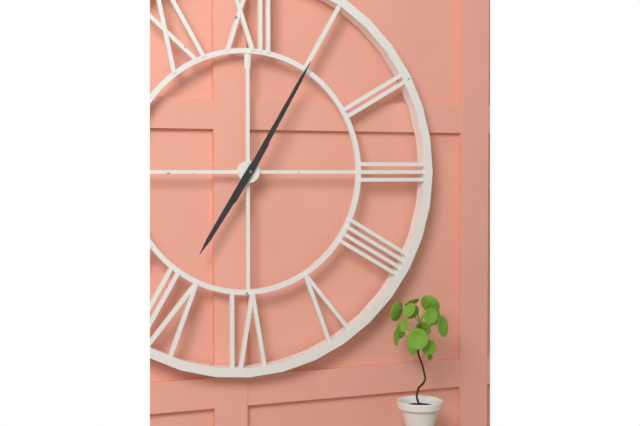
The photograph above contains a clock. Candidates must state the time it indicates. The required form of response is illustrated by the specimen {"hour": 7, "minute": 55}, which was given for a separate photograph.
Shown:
{"hour": 7, "minute": 5}
